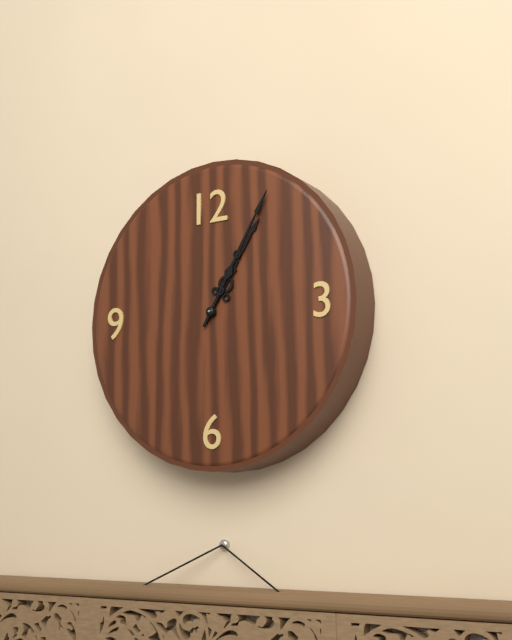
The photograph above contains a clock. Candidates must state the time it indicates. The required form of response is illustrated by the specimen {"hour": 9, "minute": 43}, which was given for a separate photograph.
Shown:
{"hour": 1, "minute": 5}
